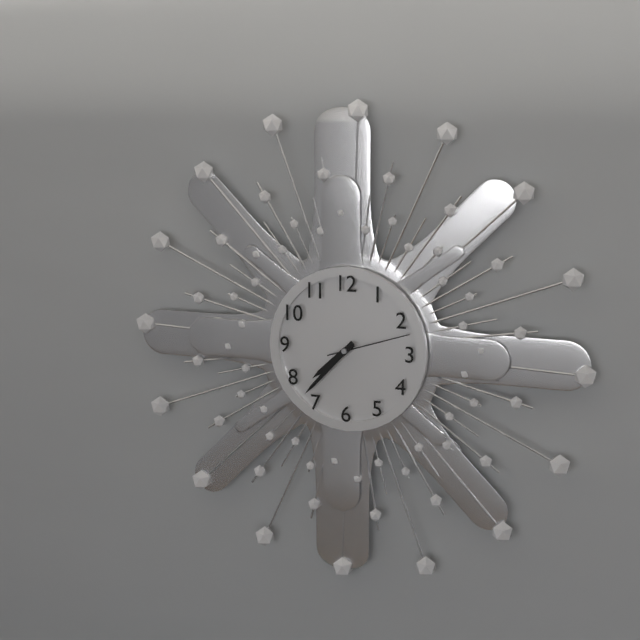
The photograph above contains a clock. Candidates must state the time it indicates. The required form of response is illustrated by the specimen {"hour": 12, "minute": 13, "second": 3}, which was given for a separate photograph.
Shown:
{"hour": 7, "minute": 37, "second": 12}
